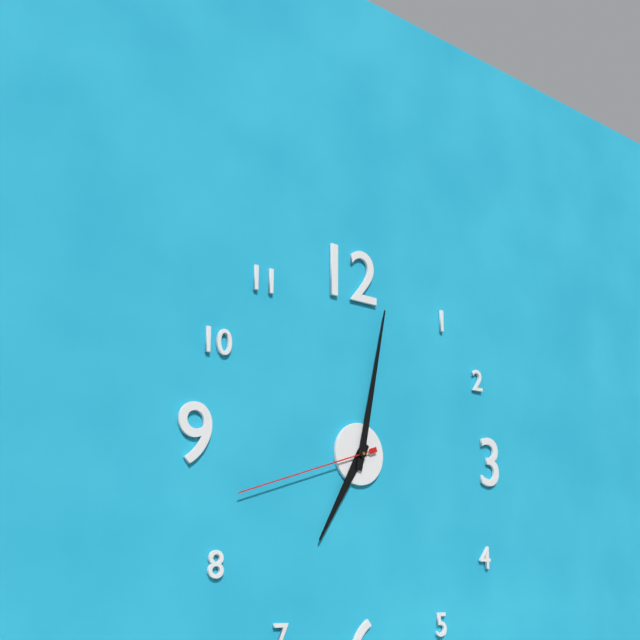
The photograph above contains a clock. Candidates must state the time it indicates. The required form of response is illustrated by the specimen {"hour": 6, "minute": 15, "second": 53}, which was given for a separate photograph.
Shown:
{"hour": 7, "minute": 2, "second": 42}
